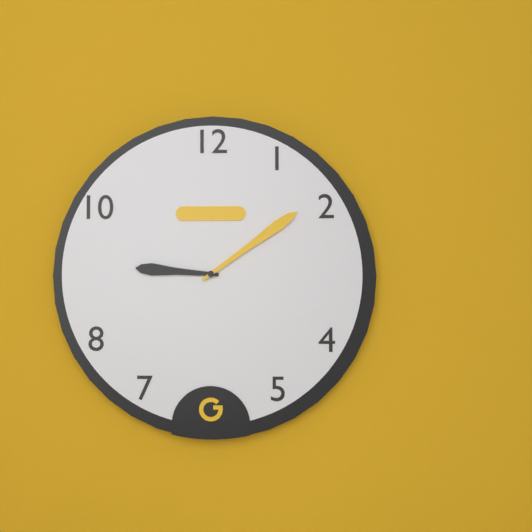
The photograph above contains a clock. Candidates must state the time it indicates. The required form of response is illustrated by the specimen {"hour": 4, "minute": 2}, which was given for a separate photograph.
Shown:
{"hour": 9, "minute": 9}
